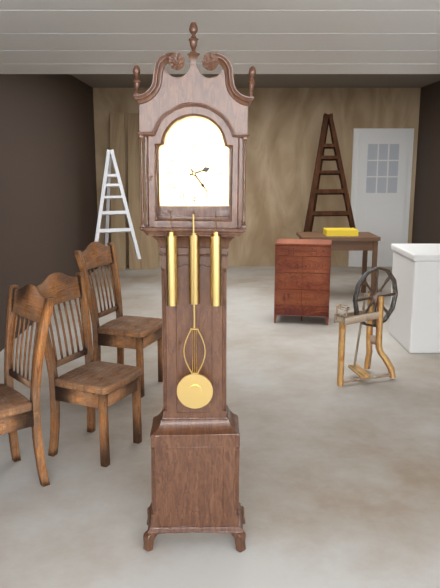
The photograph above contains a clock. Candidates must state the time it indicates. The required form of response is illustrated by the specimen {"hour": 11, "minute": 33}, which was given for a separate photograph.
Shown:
{"hour": 2, "minute": 24}
